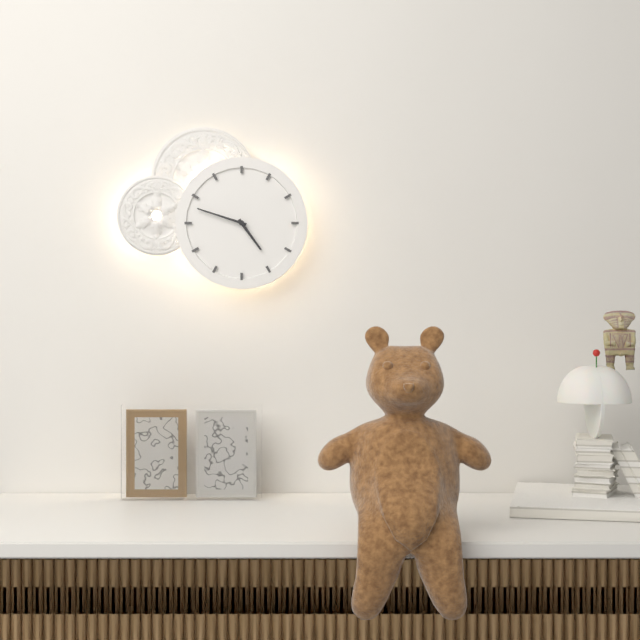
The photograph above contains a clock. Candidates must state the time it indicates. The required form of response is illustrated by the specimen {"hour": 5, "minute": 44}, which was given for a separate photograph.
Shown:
{"hour": 4, "minute": 48}
